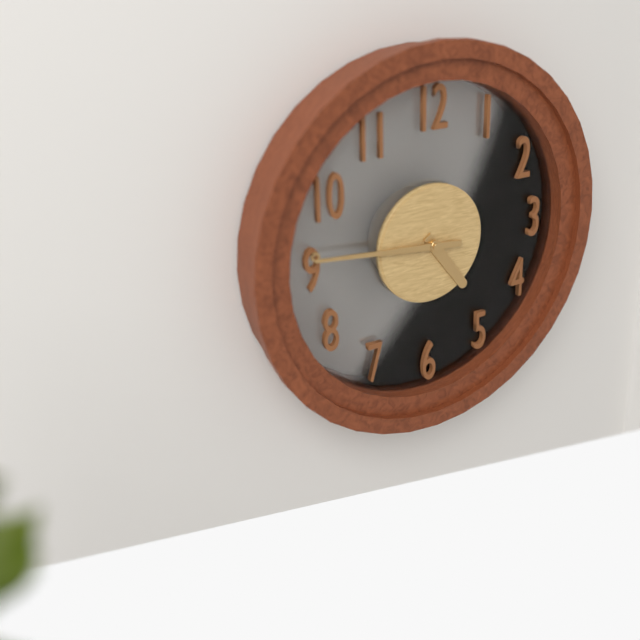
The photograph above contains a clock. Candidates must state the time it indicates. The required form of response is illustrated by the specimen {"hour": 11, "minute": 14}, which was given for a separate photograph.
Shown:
{"hour": 4, "minute": 46}
